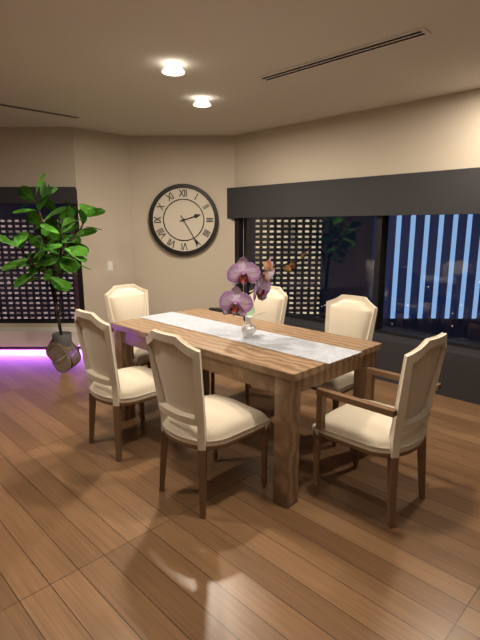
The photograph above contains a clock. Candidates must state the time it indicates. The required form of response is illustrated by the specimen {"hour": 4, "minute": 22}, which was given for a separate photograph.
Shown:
{"hour": 2, "minute": 25}
